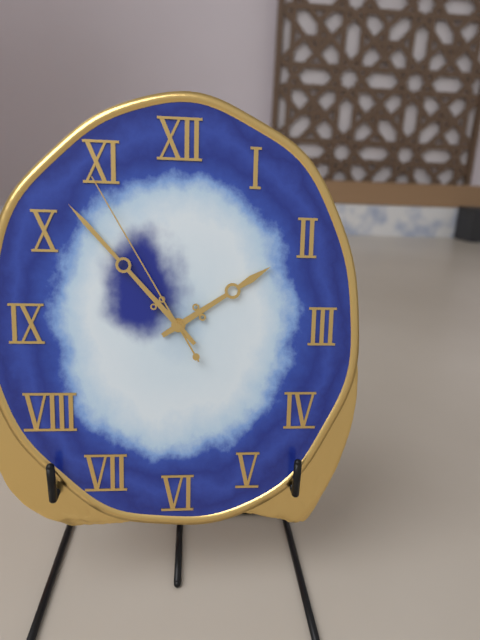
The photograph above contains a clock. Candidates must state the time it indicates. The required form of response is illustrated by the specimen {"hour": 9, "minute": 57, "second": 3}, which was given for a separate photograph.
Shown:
{"hour": 1, "minute": 53, "second": 55}
